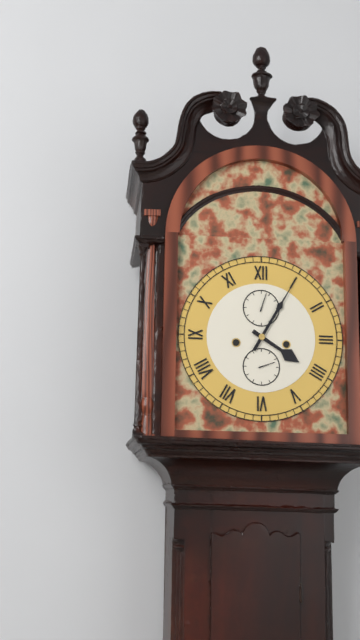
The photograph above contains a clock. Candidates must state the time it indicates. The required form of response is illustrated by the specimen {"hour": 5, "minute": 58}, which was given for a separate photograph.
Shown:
{"hour": 4, "minute": 5}
